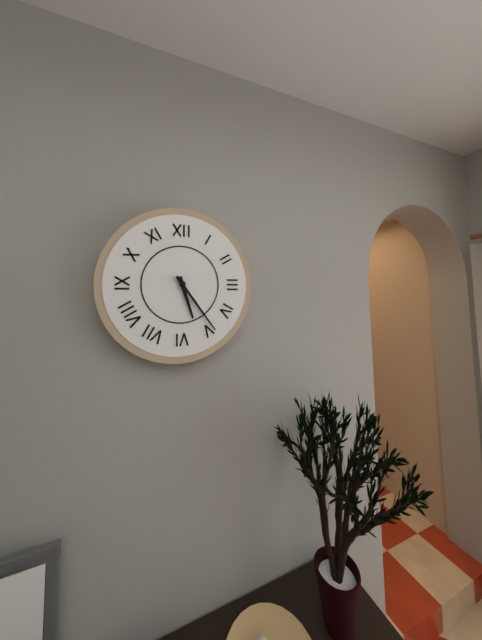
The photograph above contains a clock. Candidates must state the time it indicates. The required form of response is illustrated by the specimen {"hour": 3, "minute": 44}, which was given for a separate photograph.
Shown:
{"hour": 5, "minute": 24}
